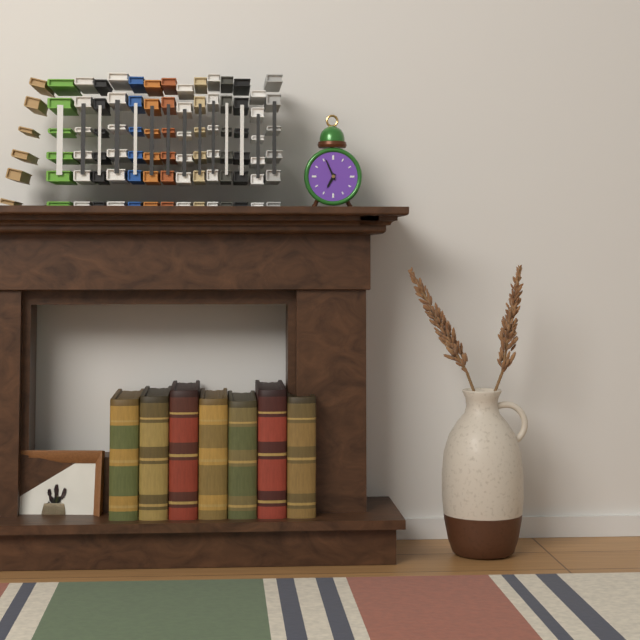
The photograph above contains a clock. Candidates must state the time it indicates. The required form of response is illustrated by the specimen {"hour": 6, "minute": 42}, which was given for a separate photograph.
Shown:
{"hour": 6, "minute": 56}
